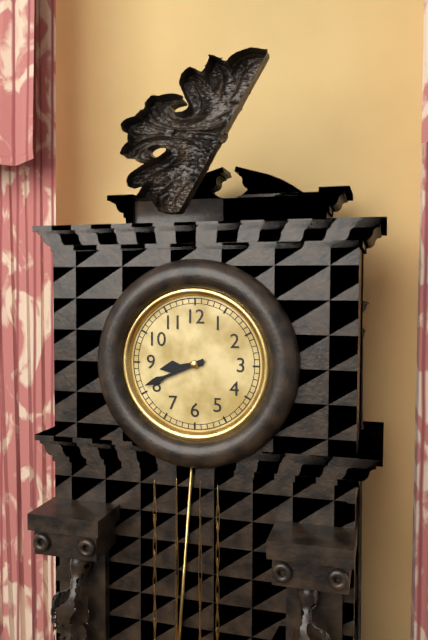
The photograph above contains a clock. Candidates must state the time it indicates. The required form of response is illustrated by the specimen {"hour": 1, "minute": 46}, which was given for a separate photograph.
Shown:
{"hour": 8, "minute": 41}
